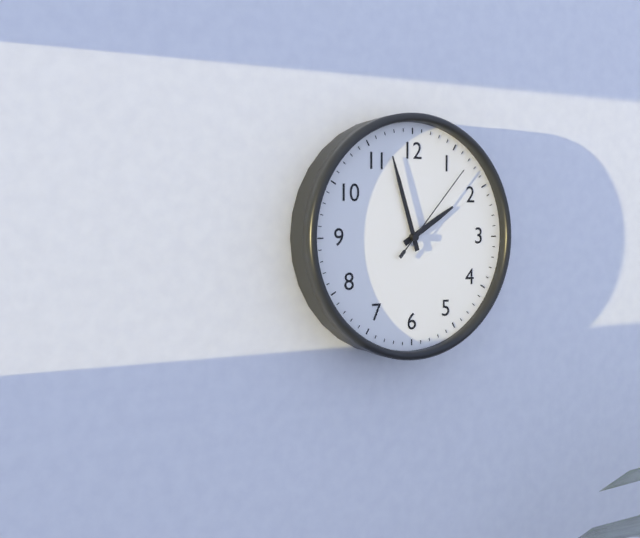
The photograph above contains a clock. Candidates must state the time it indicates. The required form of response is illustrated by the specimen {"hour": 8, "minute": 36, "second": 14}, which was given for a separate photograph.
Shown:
{"hour": 1, "minute": 57, "second": 7}
